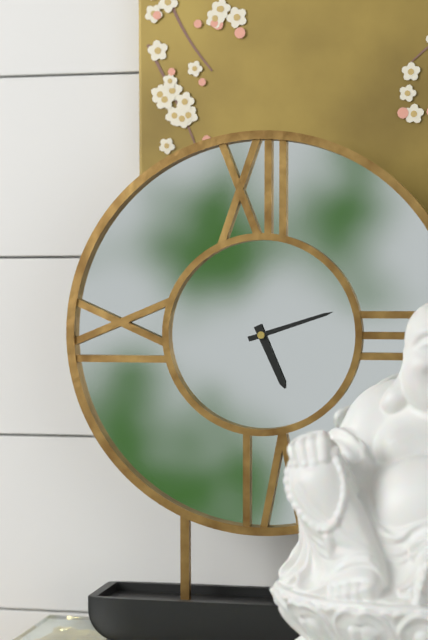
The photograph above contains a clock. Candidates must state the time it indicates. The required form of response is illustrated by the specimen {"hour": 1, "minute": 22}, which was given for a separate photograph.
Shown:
{"hour": 5, "minute": 12}
